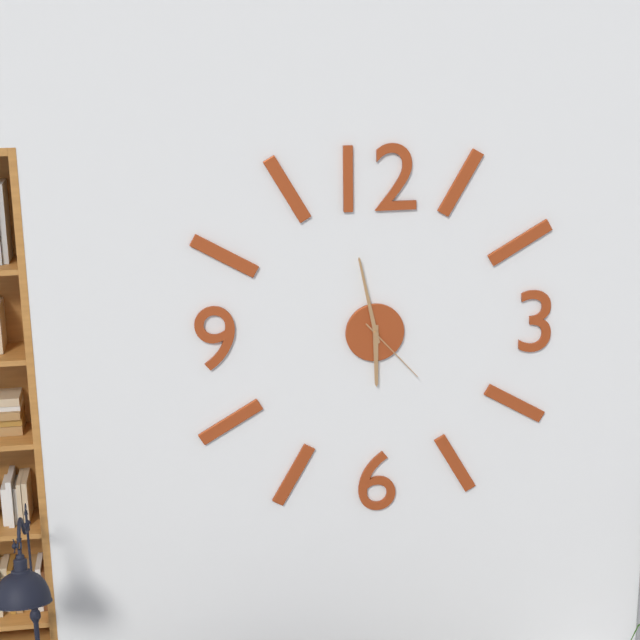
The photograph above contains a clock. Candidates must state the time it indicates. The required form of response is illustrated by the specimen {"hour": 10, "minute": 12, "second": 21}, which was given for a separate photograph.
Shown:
{"hour": 5, "minute": 58, "second": 23}
